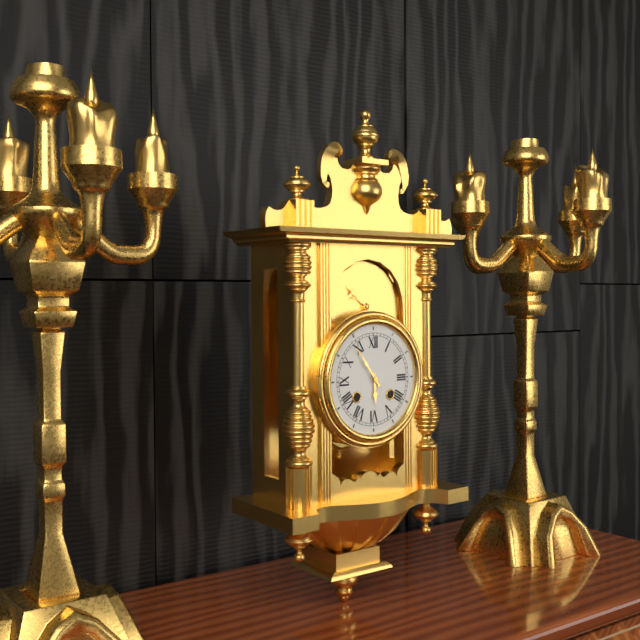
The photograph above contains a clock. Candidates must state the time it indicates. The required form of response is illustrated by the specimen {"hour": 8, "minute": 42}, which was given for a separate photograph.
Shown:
{"hour": 5, "minute": 54}
